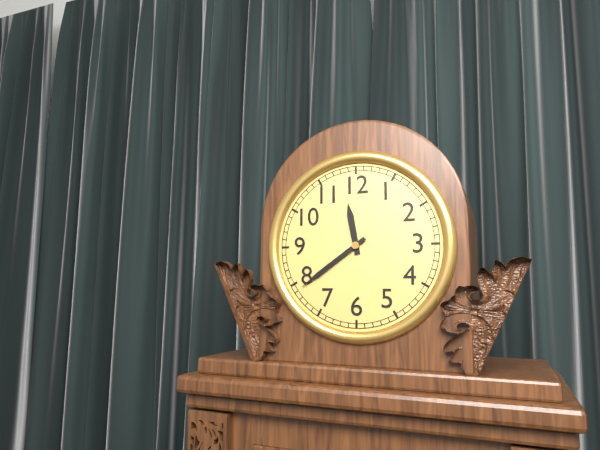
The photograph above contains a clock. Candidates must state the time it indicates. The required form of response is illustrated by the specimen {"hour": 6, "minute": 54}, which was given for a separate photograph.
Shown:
{"hour": 11, "minute": 39}
